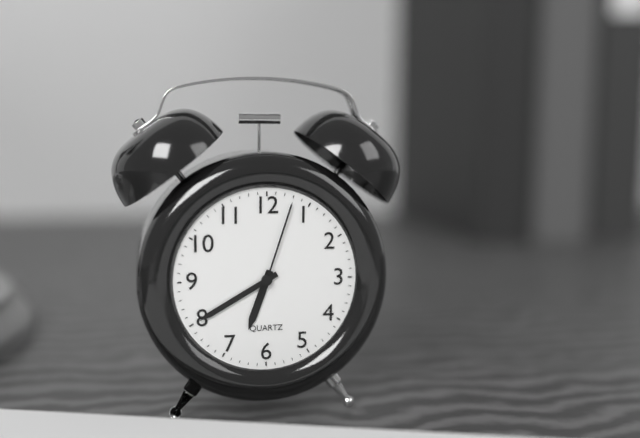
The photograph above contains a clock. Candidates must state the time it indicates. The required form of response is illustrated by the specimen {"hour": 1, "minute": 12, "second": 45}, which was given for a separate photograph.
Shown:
{"hour": 6, "minute": 40, "second": 3}
